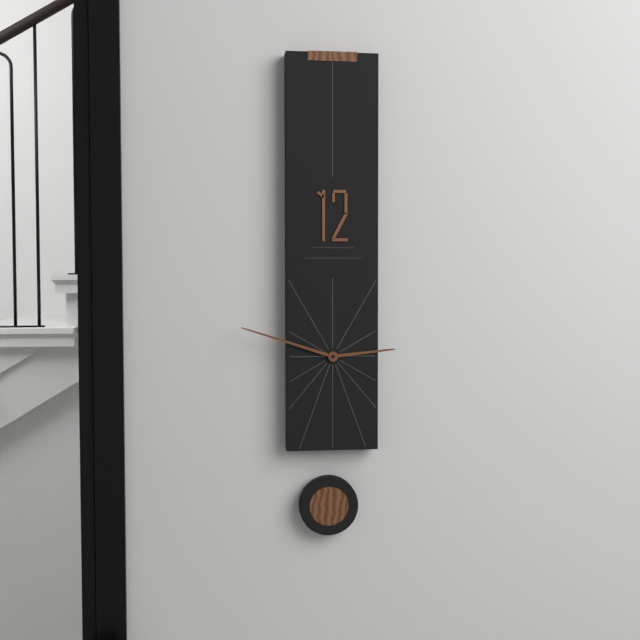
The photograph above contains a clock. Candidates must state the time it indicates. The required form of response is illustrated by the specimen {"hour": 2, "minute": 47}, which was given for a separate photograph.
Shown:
{"hour": 2, "minute": 48}
